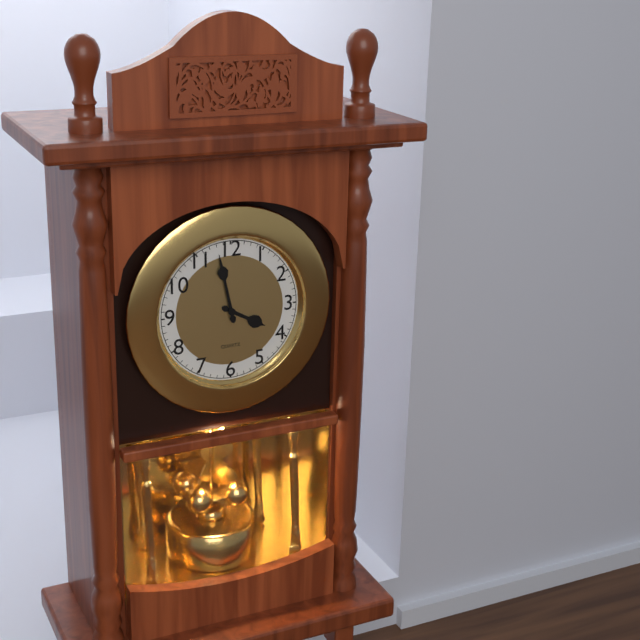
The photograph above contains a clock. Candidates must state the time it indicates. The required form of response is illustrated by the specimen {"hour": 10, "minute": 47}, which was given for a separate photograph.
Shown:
{"hour": 3, "minute": 58}
